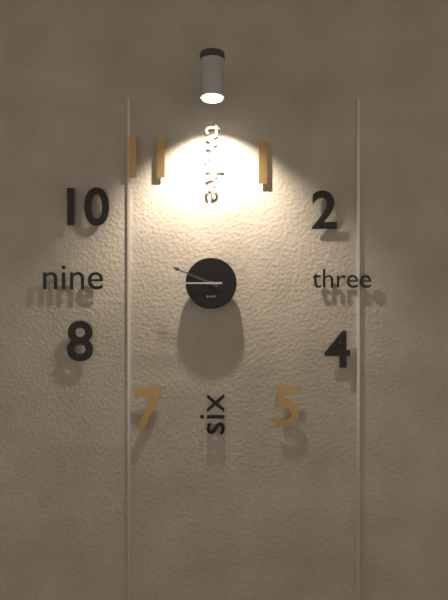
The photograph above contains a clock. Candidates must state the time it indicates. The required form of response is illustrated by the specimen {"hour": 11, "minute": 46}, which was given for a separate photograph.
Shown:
{"hour": 9, "minute": 45}
